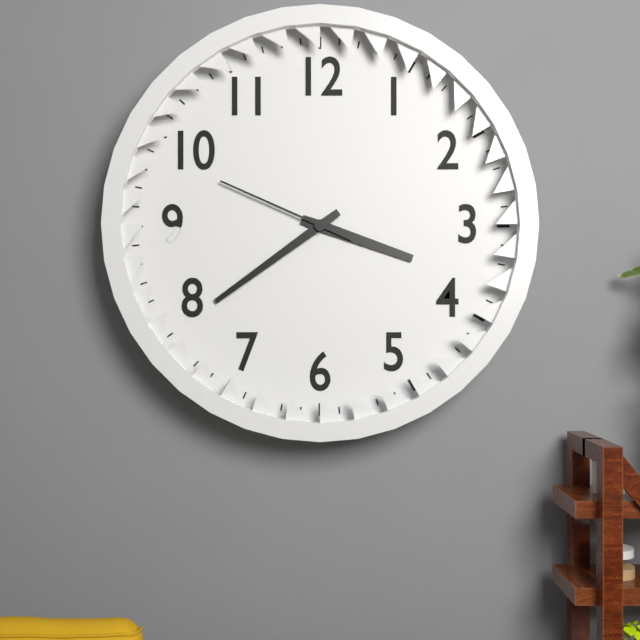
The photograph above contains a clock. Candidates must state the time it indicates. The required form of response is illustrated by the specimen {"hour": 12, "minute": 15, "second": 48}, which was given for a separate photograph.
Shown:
{"hour": 3, "minute": 39, "second": 49}
